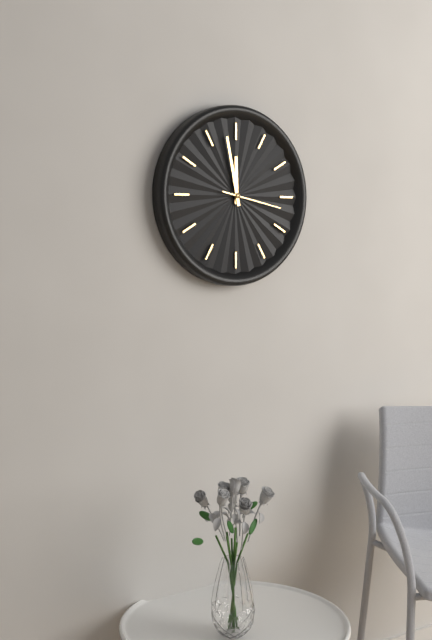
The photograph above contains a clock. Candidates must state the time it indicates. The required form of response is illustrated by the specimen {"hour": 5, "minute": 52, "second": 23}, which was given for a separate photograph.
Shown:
{"hour": 11, "minute": 58, "second": 17}
